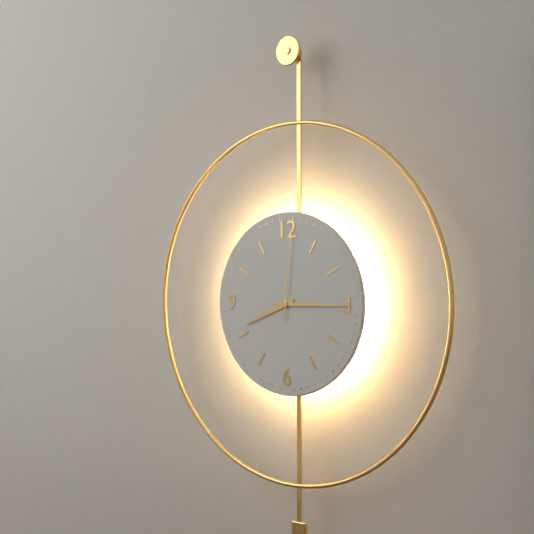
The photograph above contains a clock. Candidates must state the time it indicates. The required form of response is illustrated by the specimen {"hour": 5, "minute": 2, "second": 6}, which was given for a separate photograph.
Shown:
{"hour": 8, "minute": 15, "second": 1}
